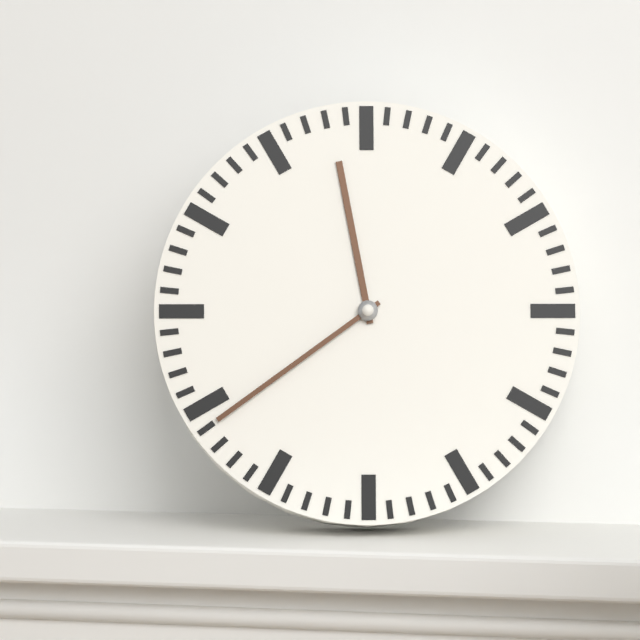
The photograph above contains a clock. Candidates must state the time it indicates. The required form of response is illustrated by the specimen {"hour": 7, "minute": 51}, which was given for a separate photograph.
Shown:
{"hour": 11, "minute": 39}
